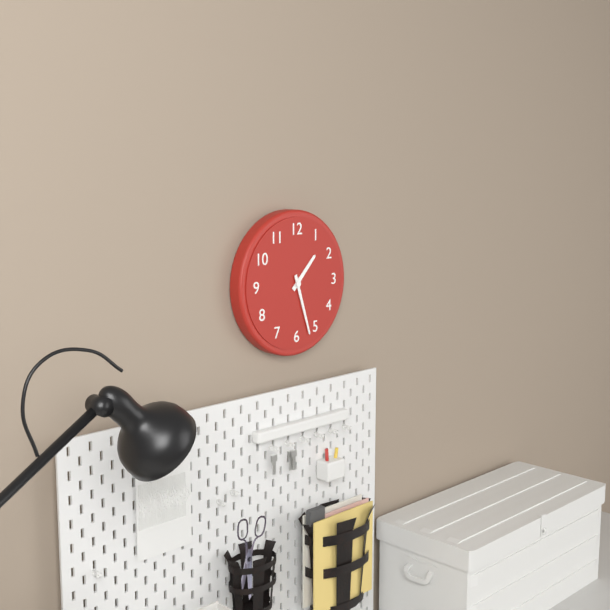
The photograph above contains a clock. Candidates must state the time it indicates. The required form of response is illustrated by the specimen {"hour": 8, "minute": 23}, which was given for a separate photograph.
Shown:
{"hour": 1, "minute": 27}
